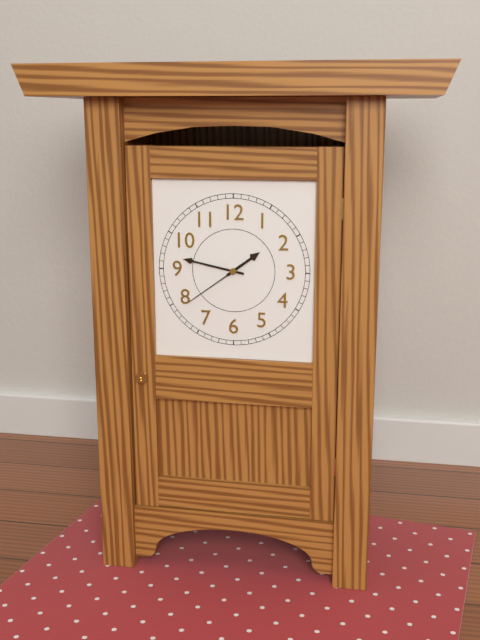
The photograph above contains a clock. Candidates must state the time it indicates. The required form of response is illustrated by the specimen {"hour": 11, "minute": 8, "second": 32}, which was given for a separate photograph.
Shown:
{"hour": 1, "minute": 47, "second": 39}
